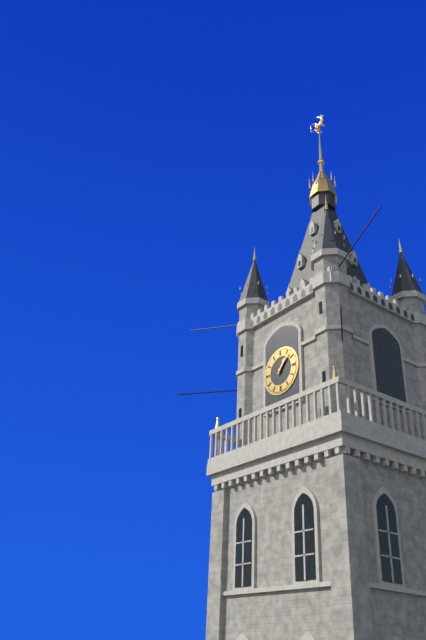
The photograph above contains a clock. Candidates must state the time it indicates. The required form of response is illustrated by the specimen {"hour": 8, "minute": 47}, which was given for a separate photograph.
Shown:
{"hour": 1, "minute": 7}
